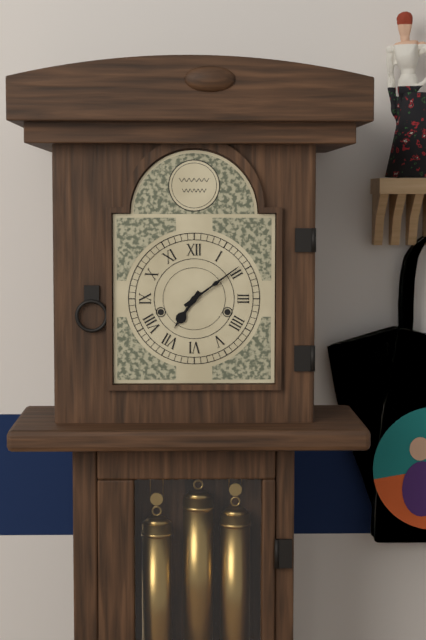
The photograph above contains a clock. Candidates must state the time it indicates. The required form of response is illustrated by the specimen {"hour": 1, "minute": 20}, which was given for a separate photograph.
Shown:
{"hour": 7, "minute": 9}
